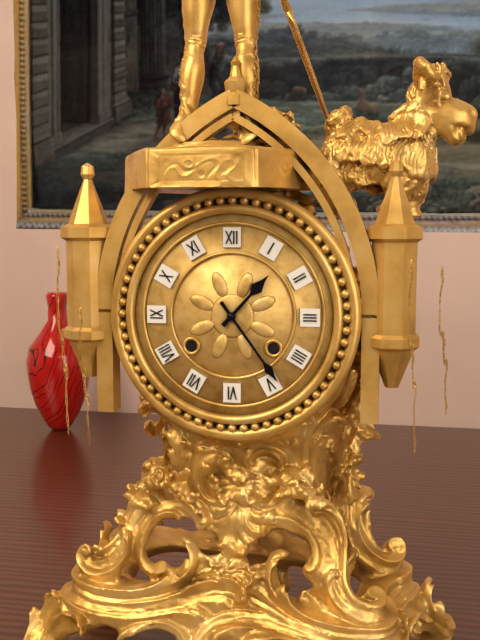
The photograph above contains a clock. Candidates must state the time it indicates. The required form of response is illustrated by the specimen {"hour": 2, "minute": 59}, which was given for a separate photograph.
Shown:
{"hour": 1, "minute": 24}
